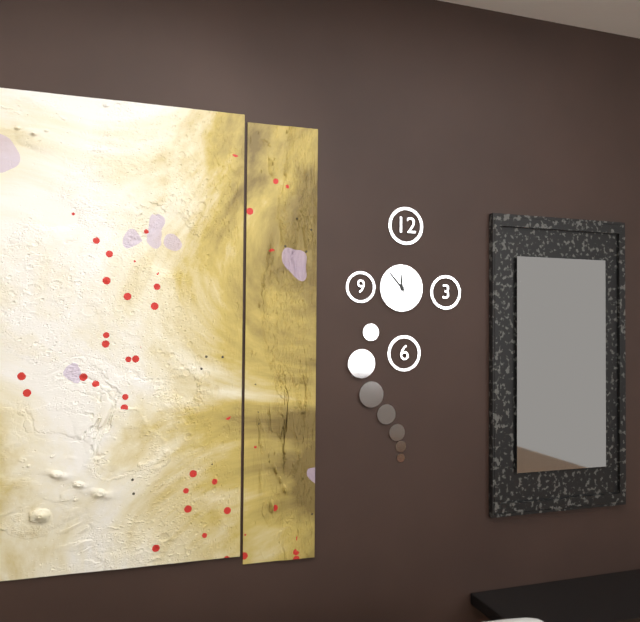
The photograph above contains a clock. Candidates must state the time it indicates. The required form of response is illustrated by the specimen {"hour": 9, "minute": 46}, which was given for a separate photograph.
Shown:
{"hour": 11, "minute": 53}
